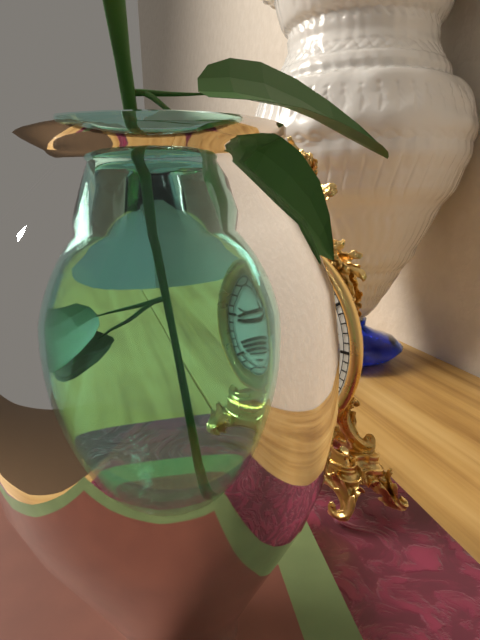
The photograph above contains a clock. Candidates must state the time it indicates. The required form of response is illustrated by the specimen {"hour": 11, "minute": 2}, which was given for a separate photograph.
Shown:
{"hour": 8, "minute": 11}
